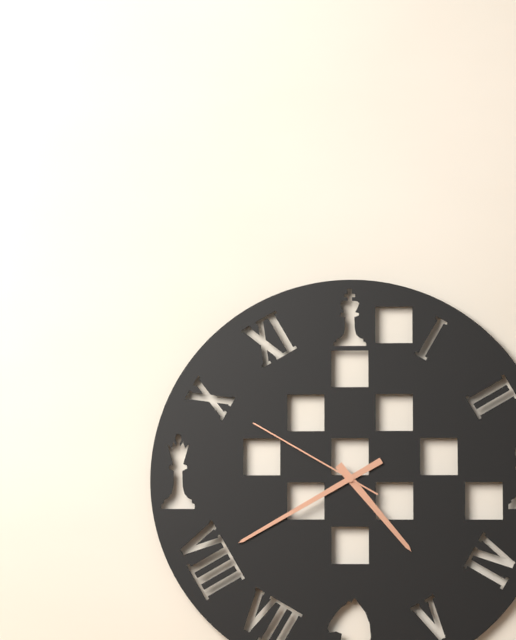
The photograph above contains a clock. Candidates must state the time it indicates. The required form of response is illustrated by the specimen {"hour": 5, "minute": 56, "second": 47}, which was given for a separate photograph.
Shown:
{"hour": 4, "minute": 40, "second": 50}
